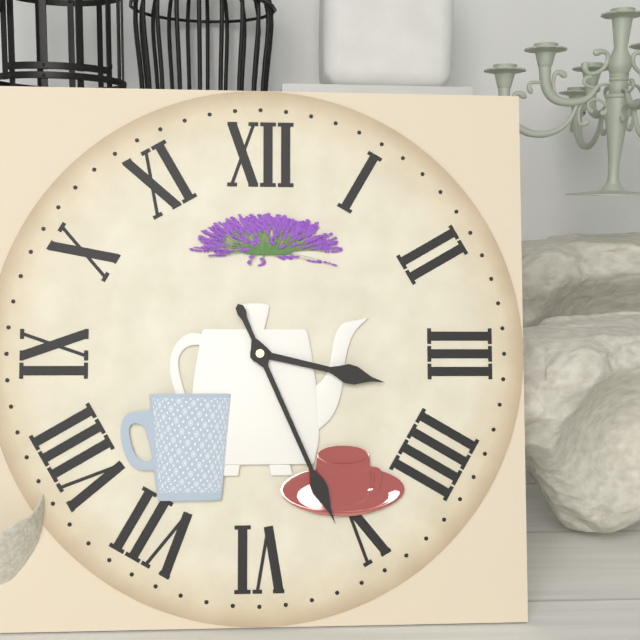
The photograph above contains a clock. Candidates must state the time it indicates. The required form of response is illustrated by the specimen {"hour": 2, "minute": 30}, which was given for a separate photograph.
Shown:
{"hour": 3, "minute": 26}
